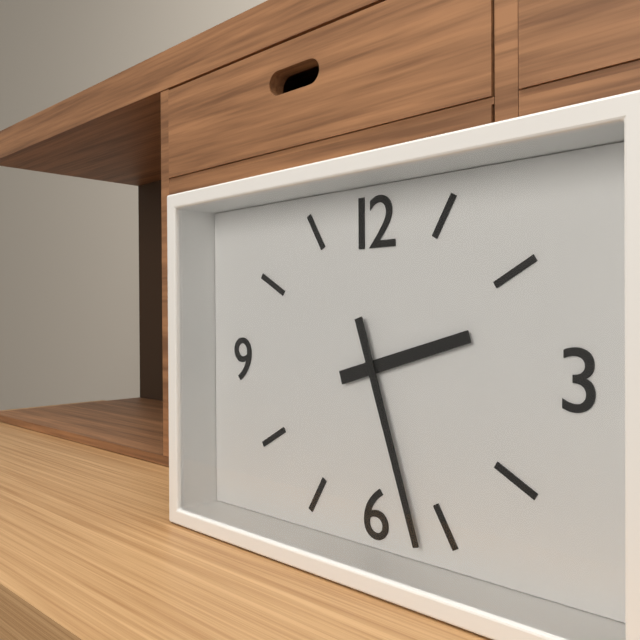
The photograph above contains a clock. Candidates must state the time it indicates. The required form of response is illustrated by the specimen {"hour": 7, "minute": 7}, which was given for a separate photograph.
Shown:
{"hour": 2, "minute": 27}
